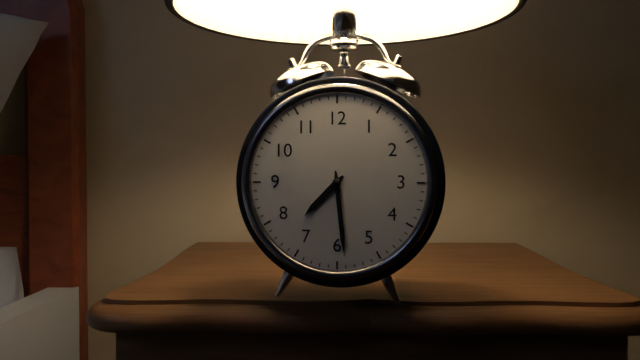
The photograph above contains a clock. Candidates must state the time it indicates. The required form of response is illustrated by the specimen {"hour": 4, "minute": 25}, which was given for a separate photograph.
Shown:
{"hour": 7, "minute": 29}
